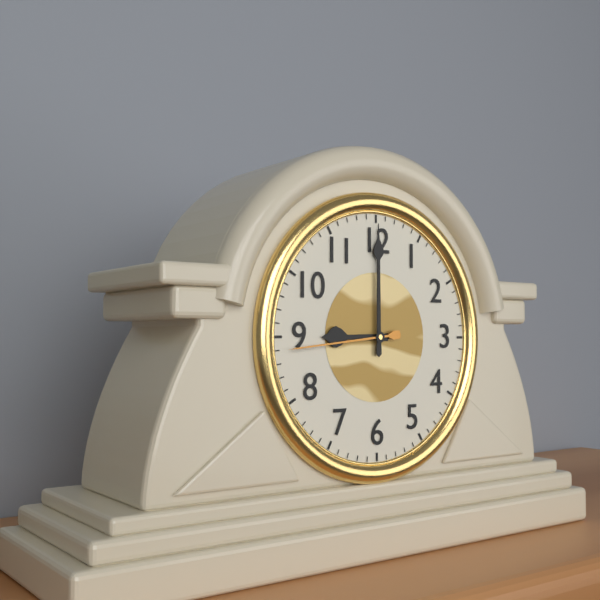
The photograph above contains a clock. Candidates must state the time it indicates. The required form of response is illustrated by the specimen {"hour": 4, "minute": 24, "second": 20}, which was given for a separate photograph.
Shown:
{"hour": 9, "minute": 0, "second": 44}
